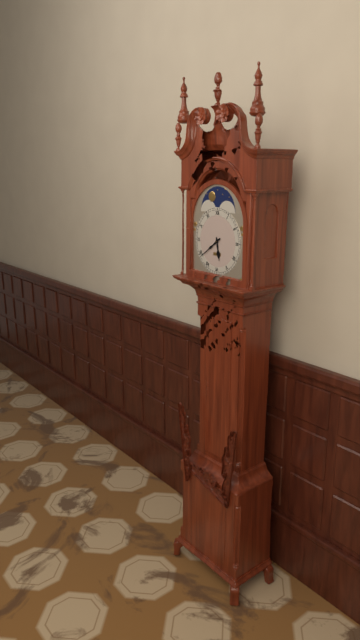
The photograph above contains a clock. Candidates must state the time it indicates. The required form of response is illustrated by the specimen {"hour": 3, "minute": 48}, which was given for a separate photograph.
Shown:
{"hour": 5, "minute": 39}
